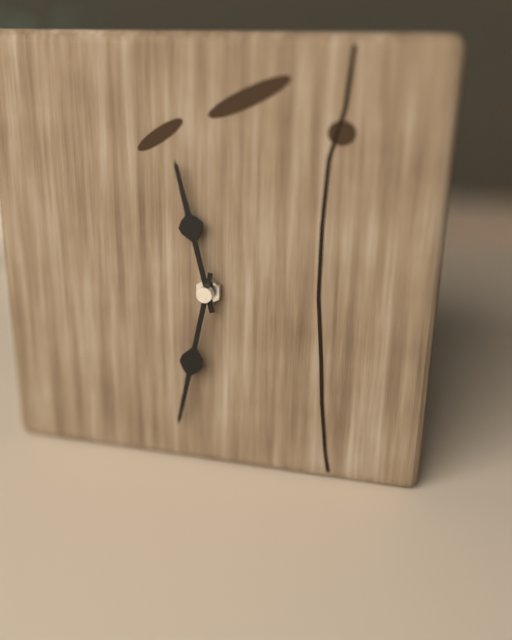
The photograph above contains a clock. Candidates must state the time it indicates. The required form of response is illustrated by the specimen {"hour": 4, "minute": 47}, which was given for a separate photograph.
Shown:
{"hour": 11, "minute": 32}
